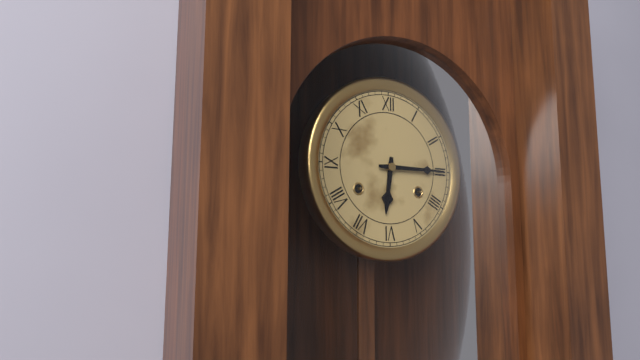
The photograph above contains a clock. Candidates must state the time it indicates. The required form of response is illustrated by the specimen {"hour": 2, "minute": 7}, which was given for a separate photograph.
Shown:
{"hour": 6, "minute": 15}
